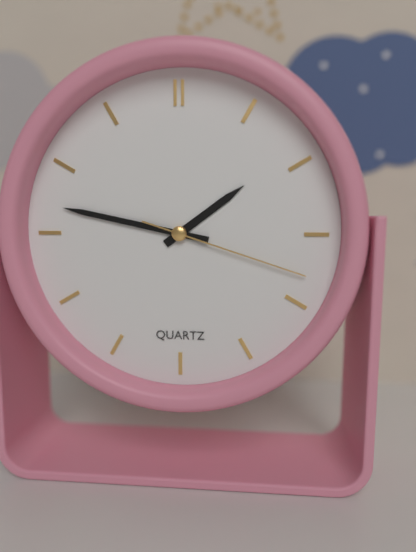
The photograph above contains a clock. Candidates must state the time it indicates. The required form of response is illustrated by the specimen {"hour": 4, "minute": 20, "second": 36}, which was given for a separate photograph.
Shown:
{"hour": 1, "minute": 47, "second": 18}
